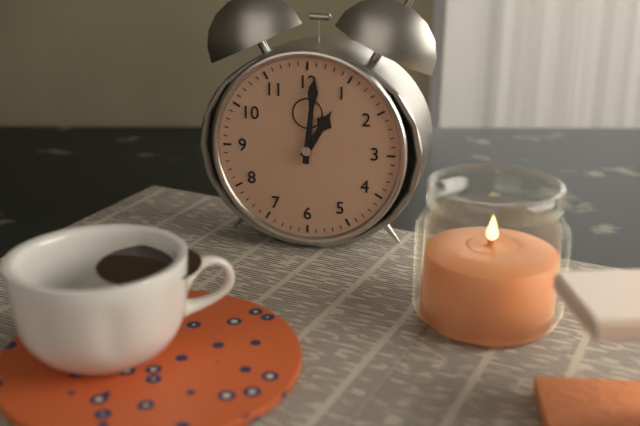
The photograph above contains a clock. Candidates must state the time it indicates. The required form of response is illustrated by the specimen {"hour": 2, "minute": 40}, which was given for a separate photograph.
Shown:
{"hour": 1, "minute": 1}
